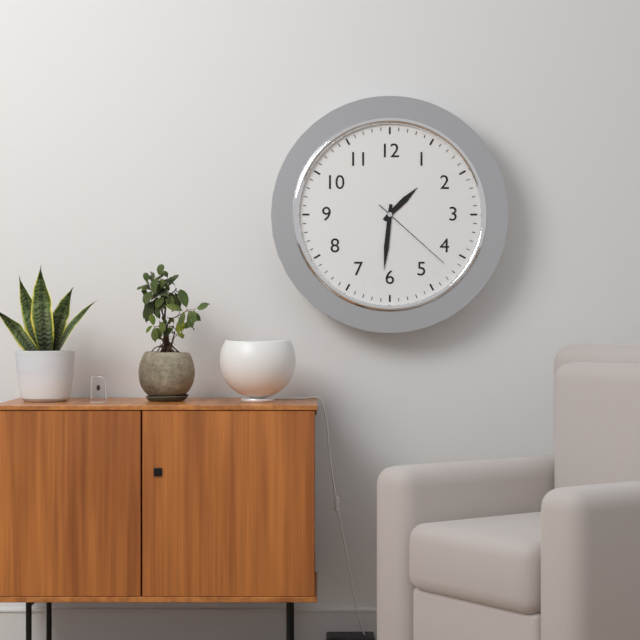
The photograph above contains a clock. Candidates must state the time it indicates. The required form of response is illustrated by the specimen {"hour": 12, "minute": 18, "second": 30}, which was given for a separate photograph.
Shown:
{"hour": 1, "minute": 31, "second": 22}
